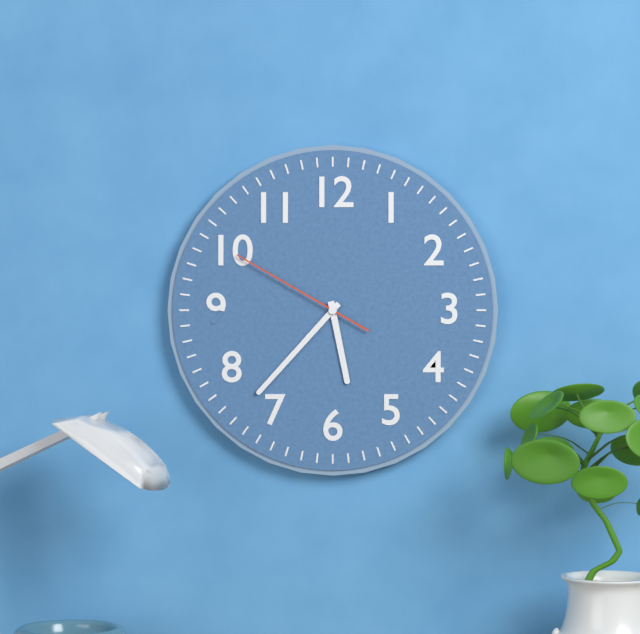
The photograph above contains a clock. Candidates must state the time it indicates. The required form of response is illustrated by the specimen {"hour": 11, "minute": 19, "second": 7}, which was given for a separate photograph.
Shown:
{"hour": 5, "minute": 37, "second": 50}
